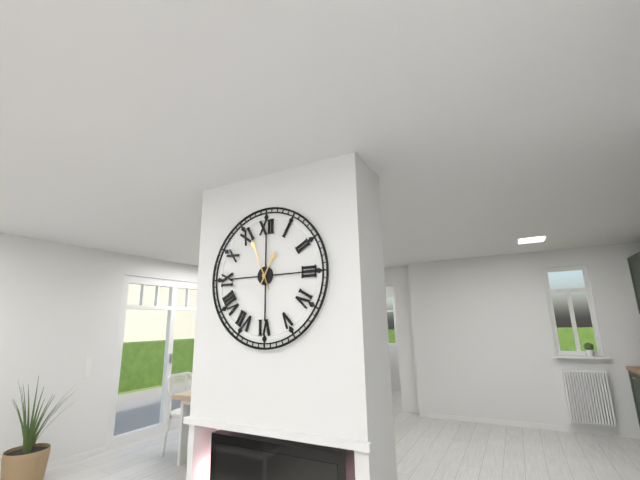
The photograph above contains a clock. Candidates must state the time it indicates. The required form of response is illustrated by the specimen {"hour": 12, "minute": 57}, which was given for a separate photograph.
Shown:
{"hour": 12, "minute": 56}
